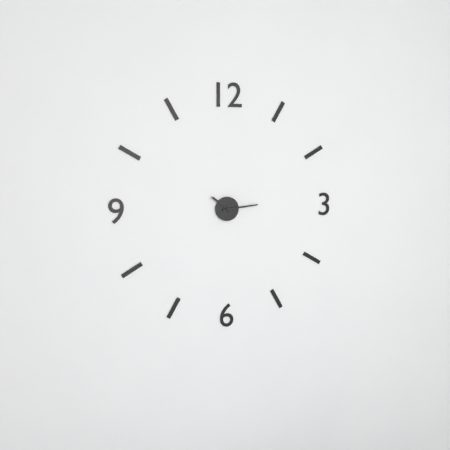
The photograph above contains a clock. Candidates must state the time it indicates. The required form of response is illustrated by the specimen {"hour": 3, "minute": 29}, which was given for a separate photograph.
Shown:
{"hour": 10, "minute": 14}
